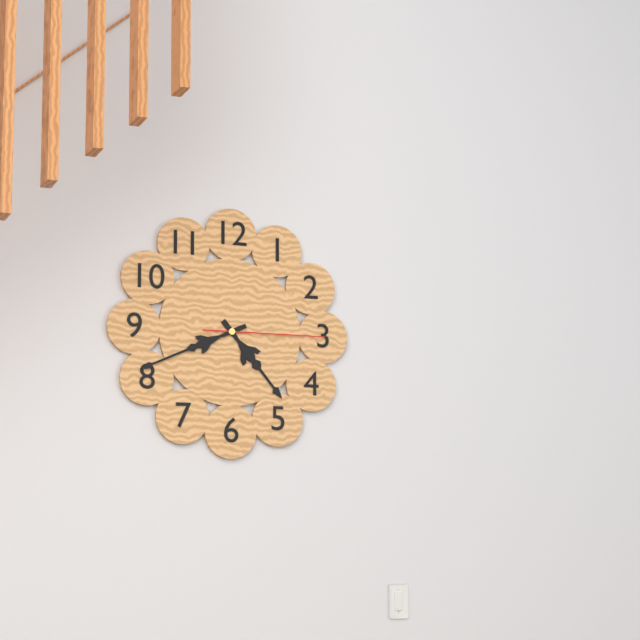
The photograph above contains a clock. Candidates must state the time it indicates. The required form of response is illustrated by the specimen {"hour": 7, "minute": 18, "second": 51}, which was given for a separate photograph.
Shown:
{"hour": 4, "minute": 41, "second": 15}
